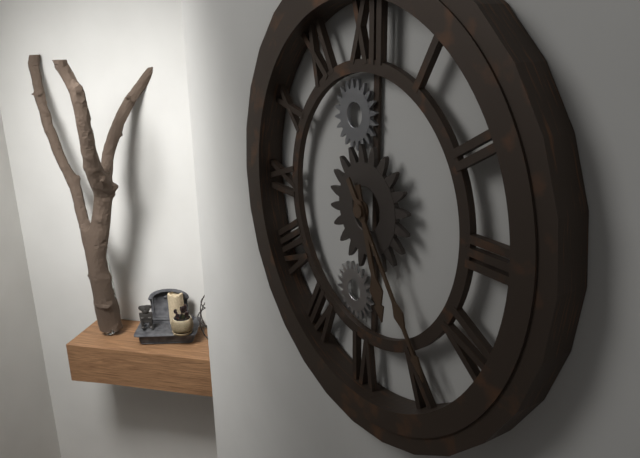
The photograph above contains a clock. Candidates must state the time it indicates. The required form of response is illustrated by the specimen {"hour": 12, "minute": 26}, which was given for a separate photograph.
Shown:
{"hour": 5, "minute": 24}
